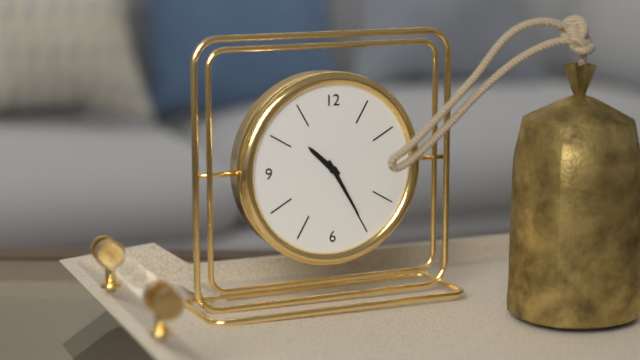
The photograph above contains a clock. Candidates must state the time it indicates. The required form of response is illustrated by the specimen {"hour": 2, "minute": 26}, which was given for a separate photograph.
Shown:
{"hour": 10, "minute": 25}
